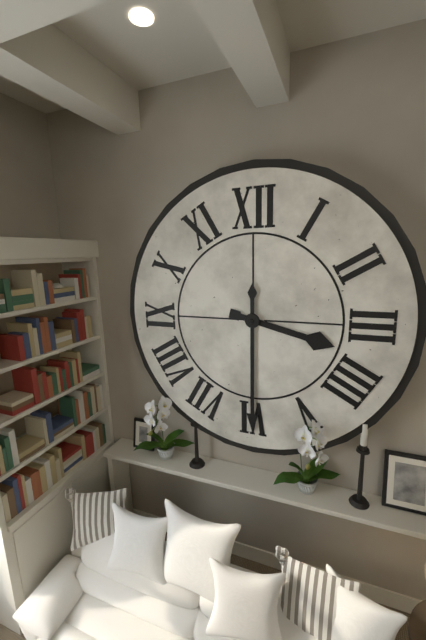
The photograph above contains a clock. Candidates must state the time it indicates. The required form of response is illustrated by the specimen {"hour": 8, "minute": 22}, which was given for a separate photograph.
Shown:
{"hour": 3, "minute": 30}
